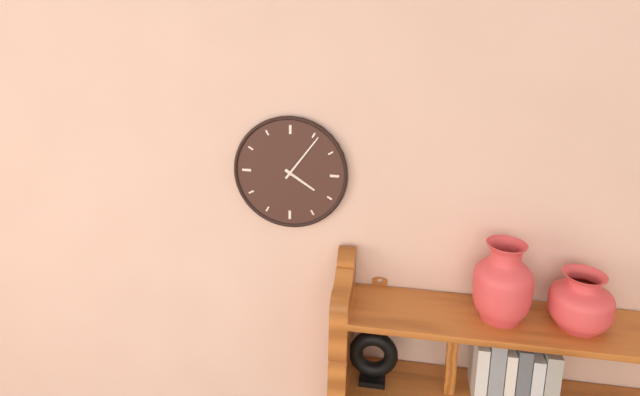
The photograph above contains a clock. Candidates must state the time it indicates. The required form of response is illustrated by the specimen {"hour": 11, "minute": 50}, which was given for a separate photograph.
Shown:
{"hour": 4, "minute": 6}
